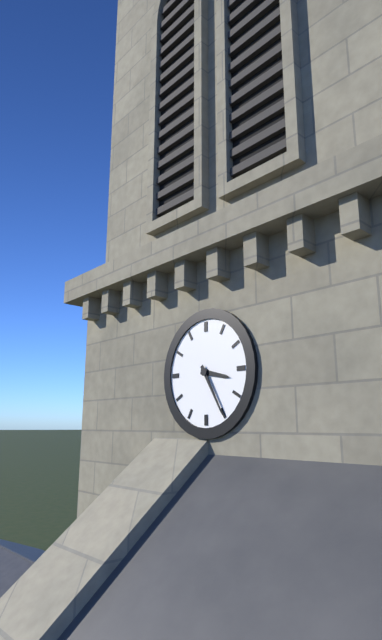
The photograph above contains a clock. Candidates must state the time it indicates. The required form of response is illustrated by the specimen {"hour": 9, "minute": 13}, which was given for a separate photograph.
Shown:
{"hour": 3, "minute": 25}
